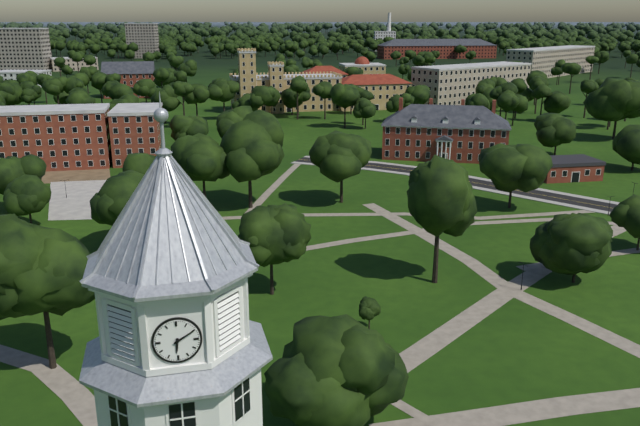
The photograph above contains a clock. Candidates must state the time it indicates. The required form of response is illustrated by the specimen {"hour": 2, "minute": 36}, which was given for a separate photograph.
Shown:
{"hour": 6, "minute": 10}
